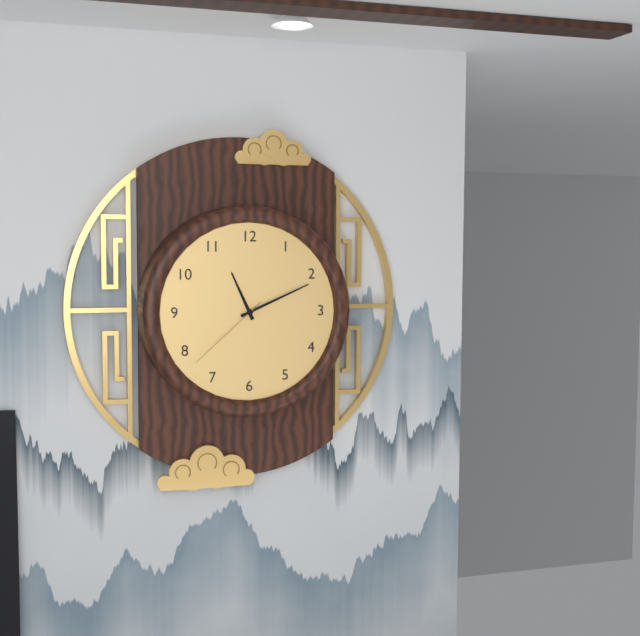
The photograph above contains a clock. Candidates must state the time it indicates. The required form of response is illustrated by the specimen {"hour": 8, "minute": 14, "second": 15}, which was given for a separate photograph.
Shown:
{"hour": 11, "minute": 11, "second": 38}
